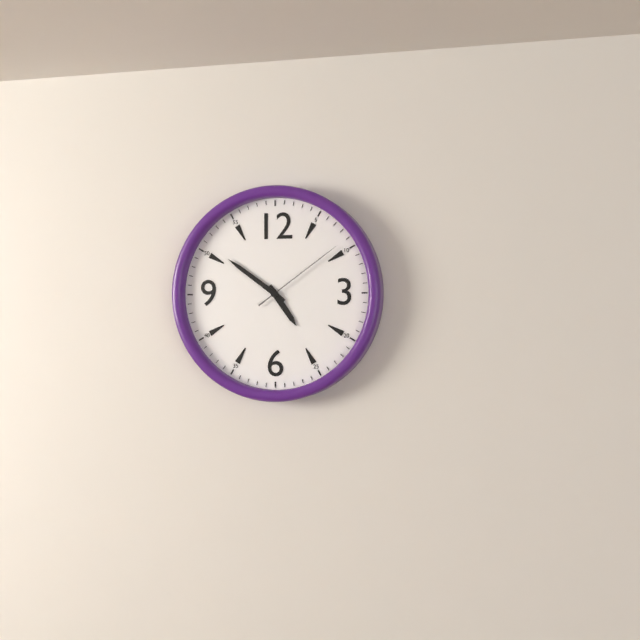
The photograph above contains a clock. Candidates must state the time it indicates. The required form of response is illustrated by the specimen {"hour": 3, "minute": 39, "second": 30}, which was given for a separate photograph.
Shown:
{"hour": 4, "minute": 51, "second": 9}
